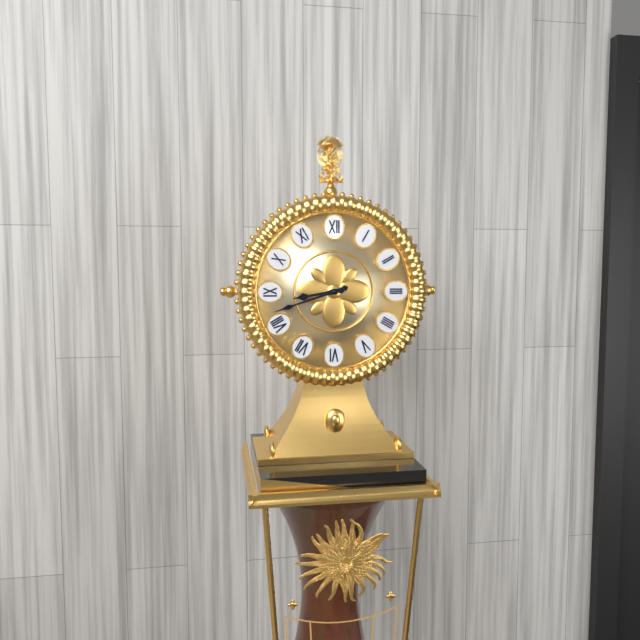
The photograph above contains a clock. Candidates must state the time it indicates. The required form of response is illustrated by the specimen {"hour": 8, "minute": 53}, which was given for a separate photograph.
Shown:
{"hour": 8, "minute": 42}
